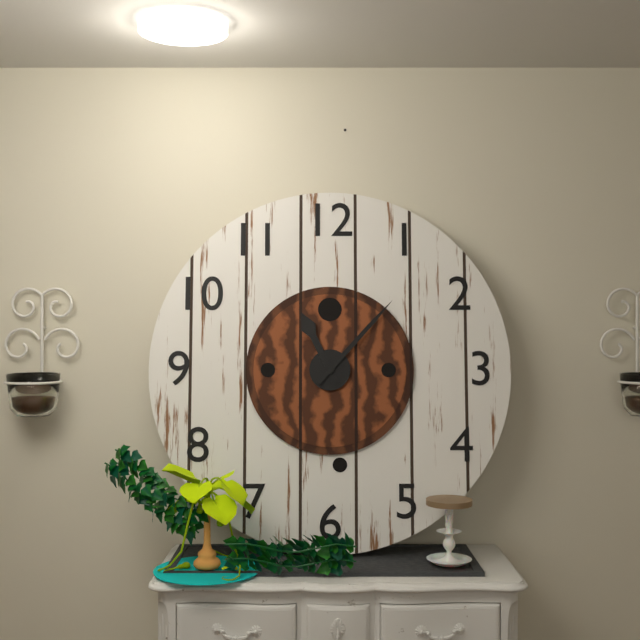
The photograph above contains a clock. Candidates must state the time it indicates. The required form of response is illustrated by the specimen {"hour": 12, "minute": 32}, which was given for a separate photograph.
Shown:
{"hour": 11, "minute": 7}
